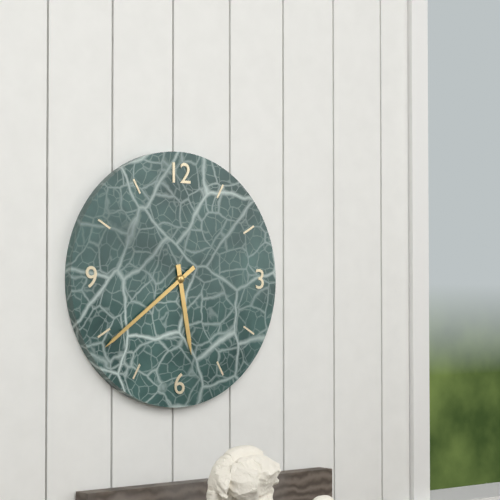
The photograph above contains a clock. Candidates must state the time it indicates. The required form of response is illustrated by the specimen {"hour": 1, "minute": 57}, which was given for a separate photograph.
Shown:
{"hour": 5, "minute": 39}
